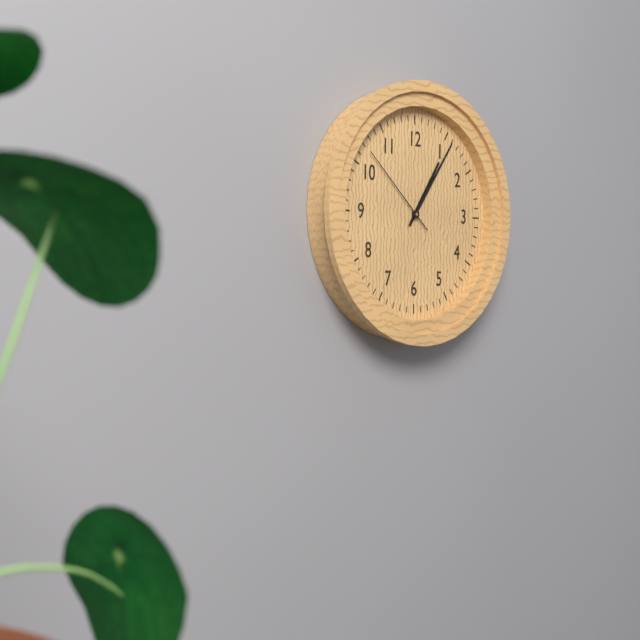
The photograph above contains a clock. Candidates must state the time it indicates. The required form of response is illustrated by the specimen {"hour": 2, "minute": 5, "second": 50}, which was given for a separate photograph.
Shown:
{"hour": 1, "minute": 6, "second": 52}
